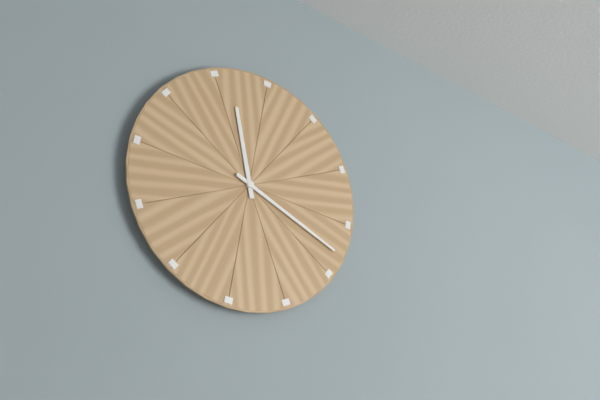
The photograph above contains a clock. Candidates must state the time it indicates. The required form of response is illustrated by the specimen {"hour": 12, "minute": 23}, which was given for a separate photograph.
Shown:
{"hour": 11, "minute": 18}
